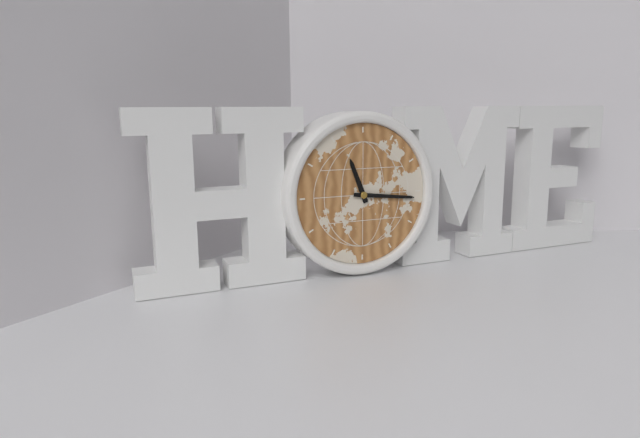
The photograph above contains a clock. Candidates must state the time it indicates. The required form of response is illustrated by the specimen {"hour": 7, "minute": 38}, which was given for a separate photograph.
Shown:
{"hour": 11, "minute": 16}
